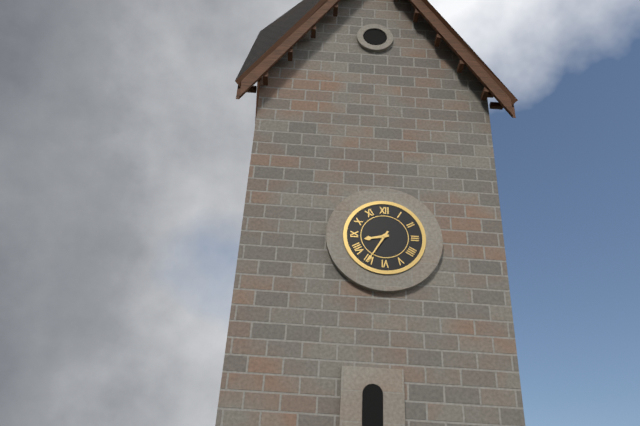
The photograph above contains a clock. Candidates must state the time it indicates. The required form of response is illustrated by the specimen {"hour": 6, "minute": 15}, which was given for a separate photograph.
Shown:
{"hour": 8, "minute": 35}
